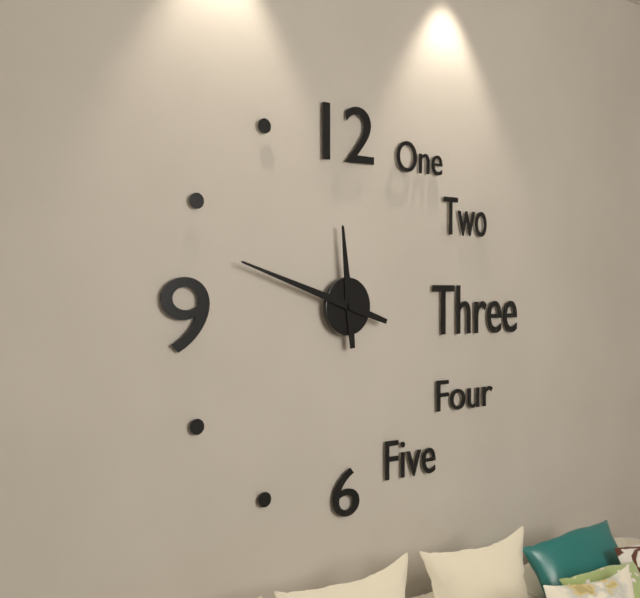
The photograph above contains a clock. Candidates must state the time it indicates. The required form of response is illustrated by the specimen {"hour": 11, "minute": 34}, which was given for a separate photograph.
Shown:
{"hour": 11, "minute": 48}
